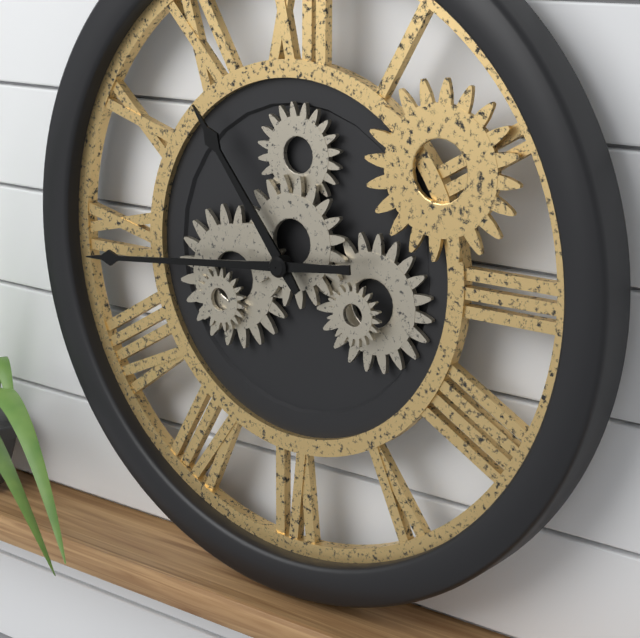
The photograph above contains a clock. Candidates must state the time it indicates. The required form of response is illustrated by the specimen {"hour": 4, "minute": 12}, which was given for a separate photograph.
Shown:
{"hour": 10, "minute": 44}
